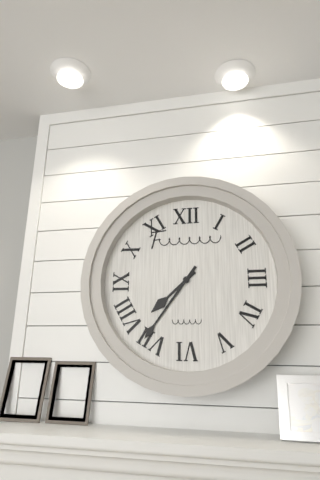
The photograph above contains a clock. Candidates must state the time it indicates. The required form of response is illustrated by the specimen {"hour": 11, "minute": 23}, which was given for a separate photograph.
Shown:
{"hour": 7, "minute": 36}
